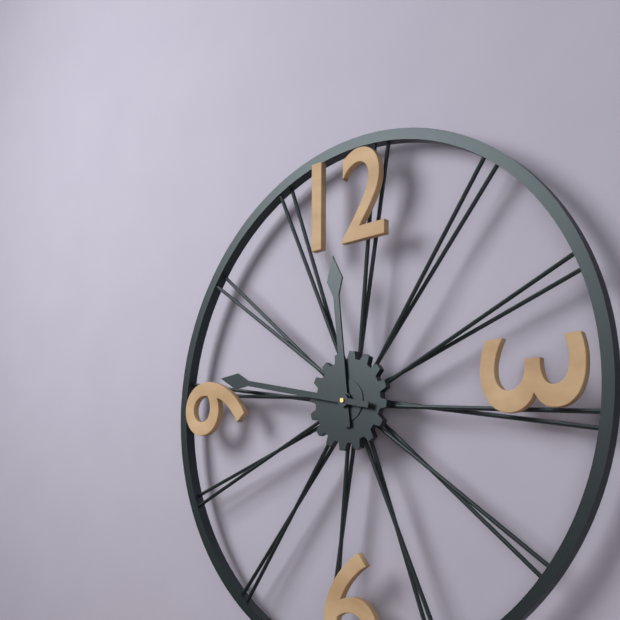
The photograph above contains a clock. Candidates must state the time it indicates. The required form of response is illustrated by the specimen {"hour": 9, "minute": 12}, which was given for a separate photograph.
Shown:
{"hour": 11, "minute": 47}
